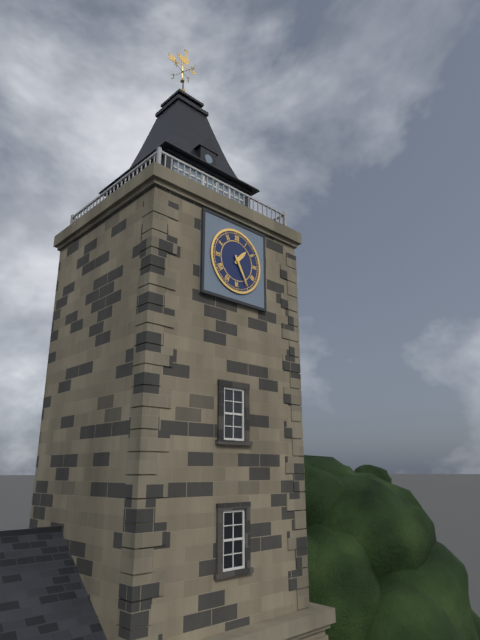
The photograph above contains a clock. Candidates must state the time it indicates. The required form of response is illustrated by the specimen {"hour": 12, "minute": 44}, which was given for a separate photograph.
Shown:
{"hour": 1, "minute": 25}
